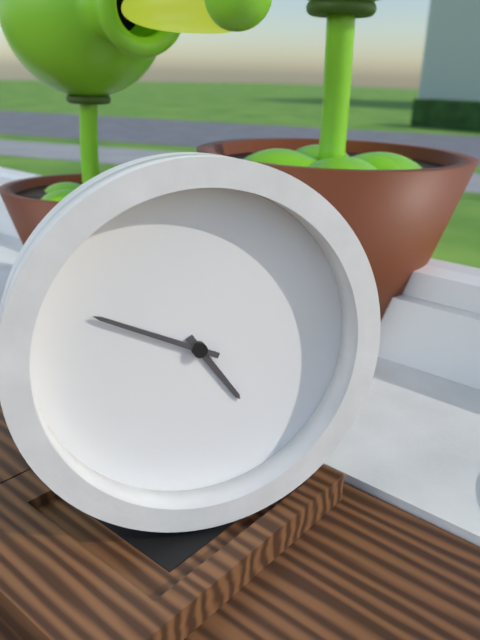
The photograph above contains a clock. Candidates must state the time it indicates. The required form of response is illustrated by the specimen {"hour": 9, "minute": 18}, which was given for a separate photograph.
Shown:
{"hour": 4, "minute": 49}
